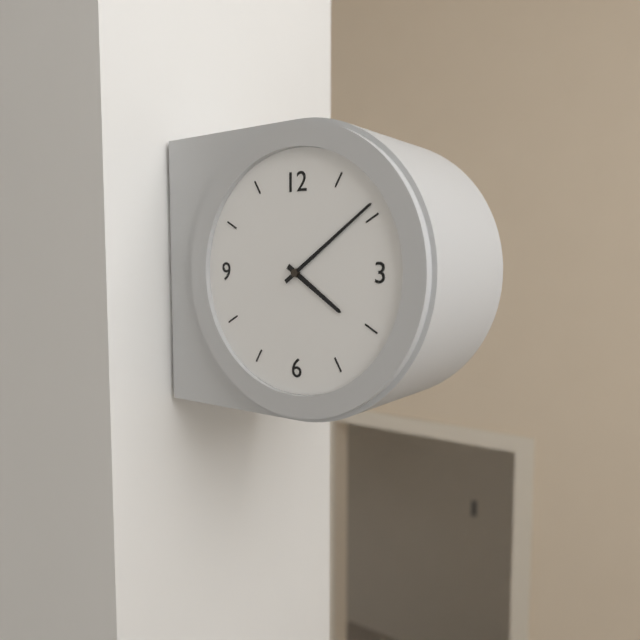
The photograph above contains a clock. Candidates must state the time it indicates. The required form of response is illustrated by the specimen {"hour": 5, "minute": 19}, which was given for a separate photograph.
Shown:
{"hour": 4, "minute": 9}
